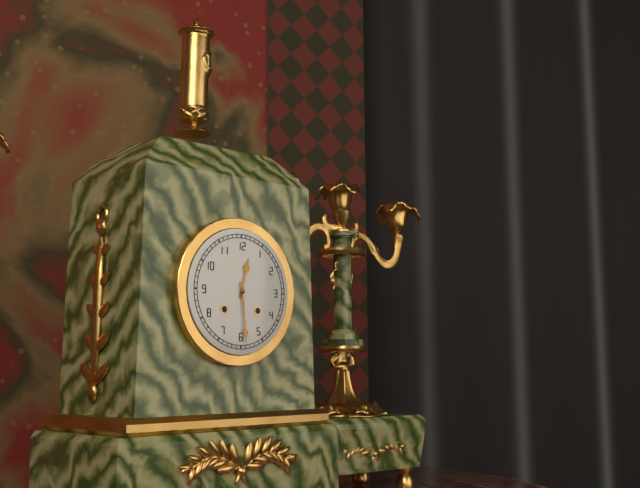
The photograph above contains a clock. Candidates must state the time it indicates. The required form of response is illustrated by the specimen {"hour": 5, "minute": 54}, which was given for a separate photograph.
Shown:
{"hour": 12, "minute": 29}
